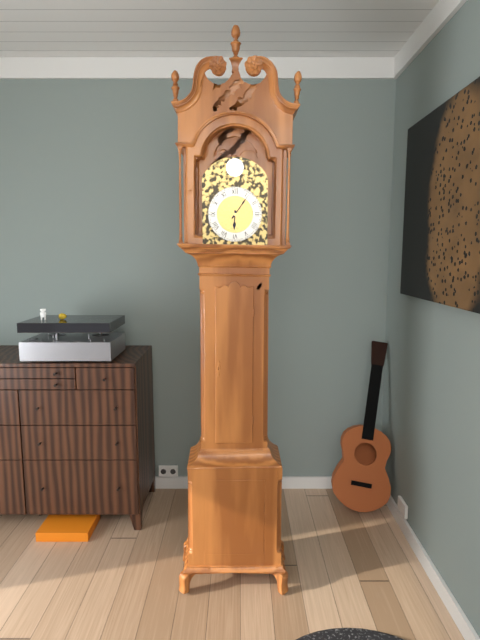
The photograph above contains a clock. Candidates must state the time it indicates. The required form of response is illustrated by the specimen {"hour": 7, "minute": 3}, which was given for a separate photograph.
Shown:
{"hour": 6, "minute": 6}
